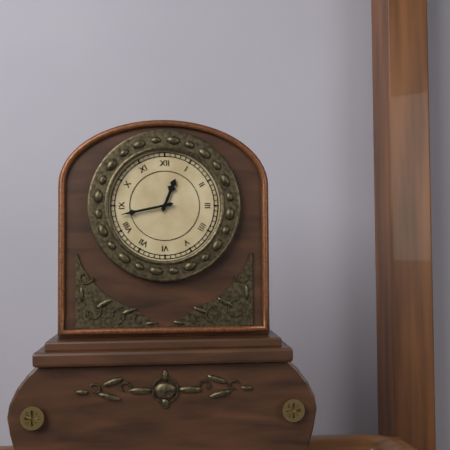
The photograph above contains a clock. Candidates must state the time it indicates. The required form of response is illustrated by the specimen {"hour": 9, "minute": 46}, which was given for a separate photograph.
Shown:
{"hour": 12, "minute": 43}
